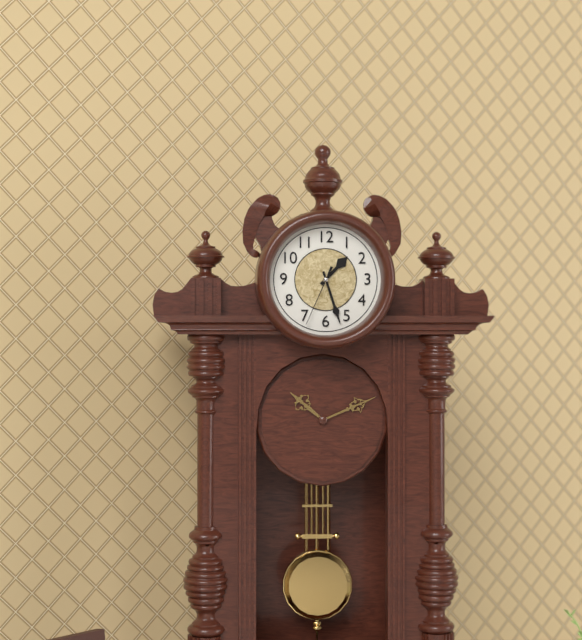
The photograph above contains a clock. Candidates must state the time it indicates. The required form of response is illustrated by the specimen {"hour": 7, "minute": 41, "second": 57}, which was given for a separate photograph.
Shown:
{"hour": 1, "minute": 27, "second": 34}
